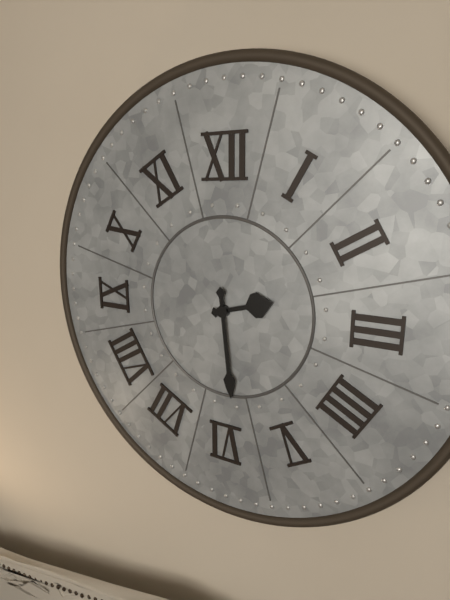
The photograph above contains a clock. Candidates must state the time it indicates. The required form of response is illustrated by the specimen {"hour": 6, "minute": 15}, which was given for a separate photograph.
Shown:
{"hour": 2, "minute": 29}
